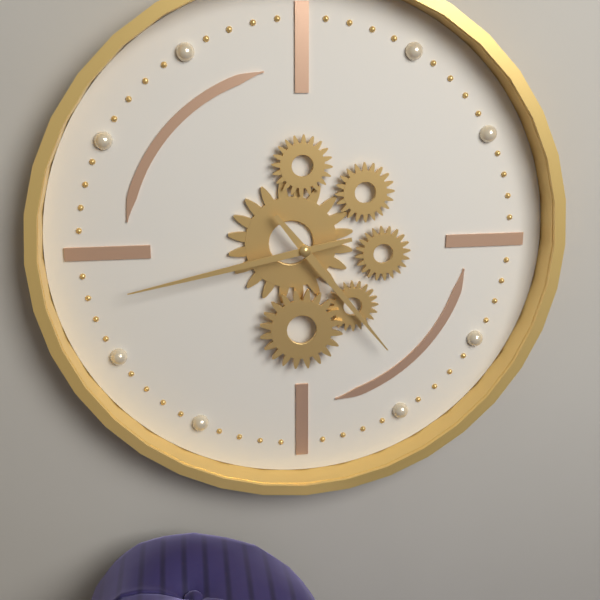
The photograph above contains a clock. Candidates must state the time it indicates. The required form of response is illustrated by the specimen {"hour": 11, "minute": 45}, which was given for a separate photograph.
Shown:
{"hour": 4, "minute": 43}
